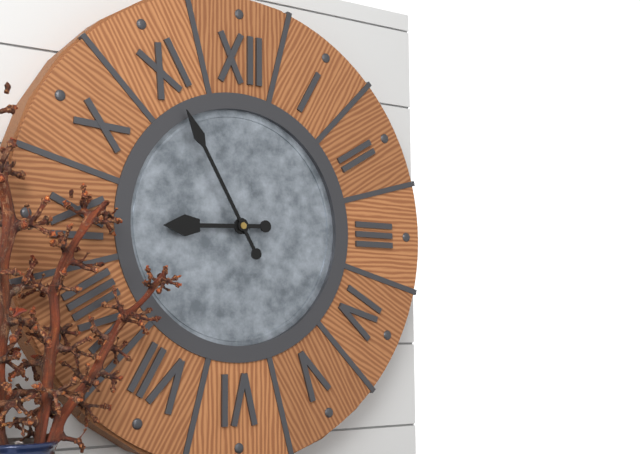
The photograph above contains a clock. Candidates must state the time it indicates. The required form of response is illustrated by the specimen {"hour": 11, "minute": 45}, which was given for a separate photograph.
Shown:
{"hour": 8, "minute": 55}
